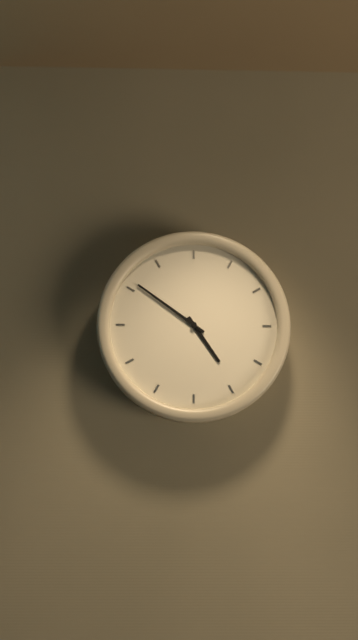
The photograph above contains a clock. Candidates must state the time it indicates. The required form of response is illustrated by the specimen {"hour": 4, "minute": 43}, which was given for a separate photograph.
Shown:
{"hour": 4, "minute": 51}
